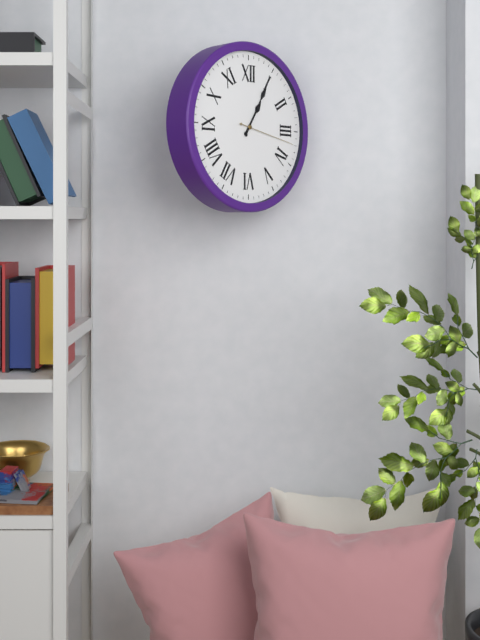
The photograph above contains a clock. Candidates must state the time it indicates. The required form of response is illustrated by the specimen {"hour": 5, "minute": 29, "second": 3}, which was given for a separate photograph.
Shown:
{"hour": 1, "minute": 5, "second": 17}
